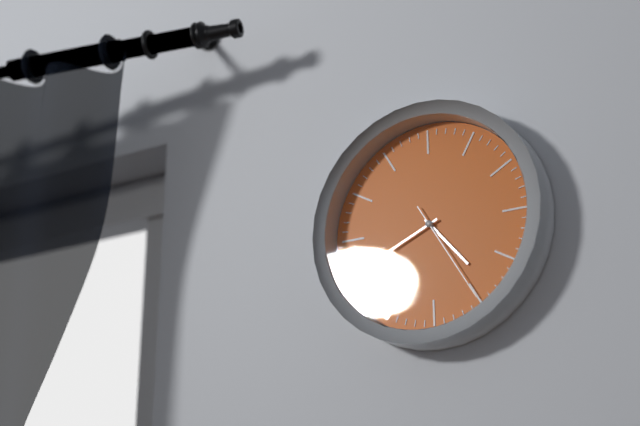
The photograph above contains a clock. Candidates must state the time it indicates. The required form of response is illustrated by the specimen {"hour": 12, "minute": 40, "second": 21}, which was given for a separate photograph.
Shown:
{"hour": 4, "minute": 41, "second": 25}
